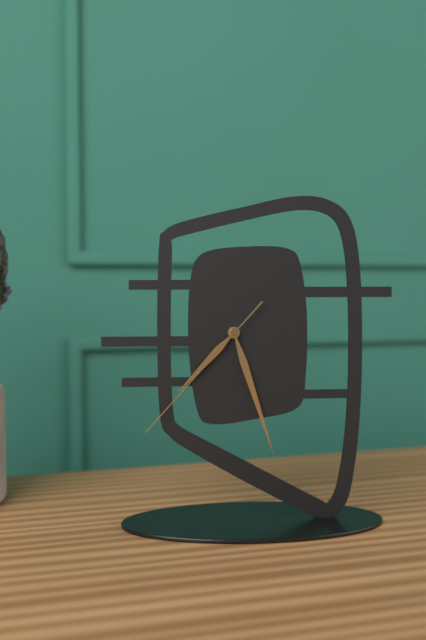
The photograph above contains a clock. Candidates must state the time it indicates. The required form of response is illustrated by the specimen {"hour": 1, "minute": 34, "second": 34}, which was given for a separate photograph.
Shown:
{"hour": 7, "minute": 27, "second": 37}
